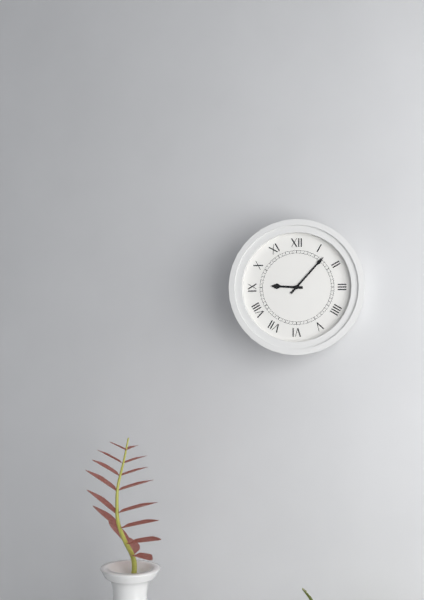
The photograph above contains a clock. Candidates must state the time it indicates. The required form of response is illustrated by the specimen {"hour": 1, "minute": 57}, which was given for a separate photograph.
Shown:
{"hour": 9, "minute": 7}
